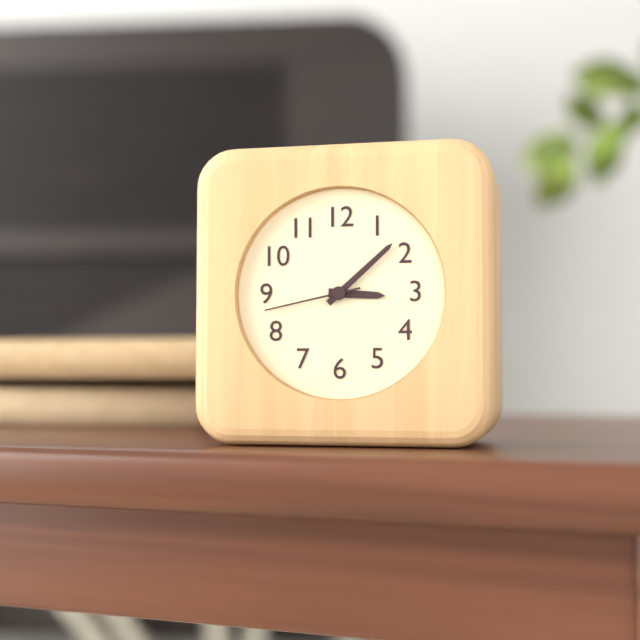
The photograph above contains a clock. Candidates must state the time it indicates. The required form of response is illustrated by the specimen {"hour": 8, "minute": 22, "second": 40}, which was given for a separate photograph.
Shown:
{"hour": 3, "minute": 8, "second": 43}
